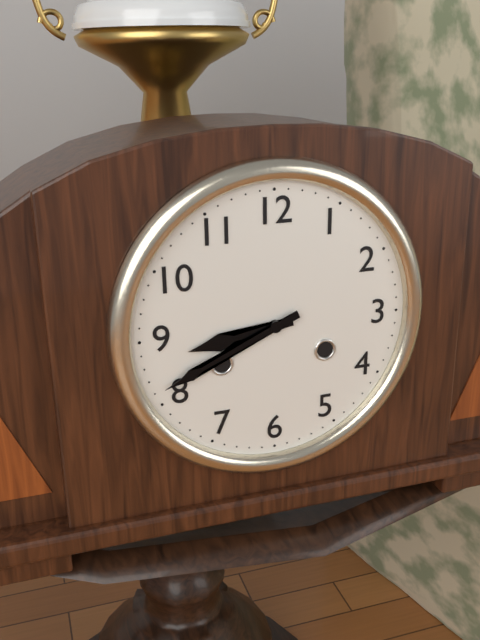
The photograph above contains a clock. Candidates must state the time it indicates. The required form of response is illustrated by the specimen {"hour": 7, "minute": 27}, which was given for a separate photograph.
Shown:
{"hour": 8, "minute": 41}
